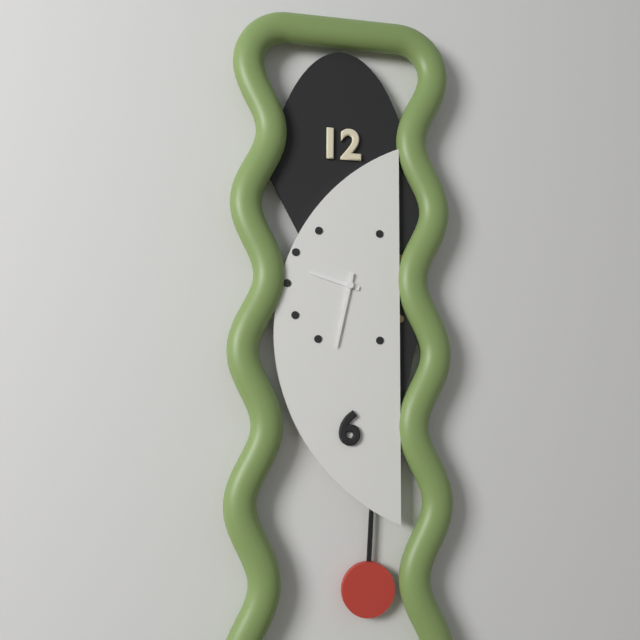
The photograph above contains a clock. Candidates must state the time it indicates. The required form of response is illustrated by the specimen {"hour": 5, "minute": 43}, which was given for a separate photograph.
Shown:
{"hour": 9, "minute": 32}
